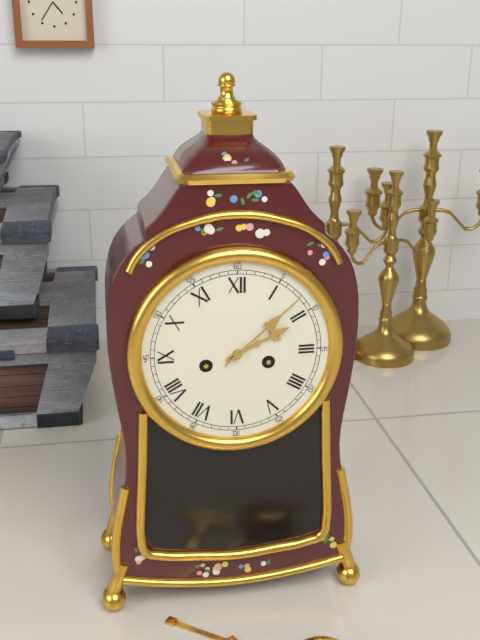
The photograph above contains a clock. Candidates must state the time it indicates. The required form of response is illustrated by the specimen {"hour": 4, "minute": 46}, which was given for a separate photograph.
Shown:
{"hour": 2, "minute": 8}
